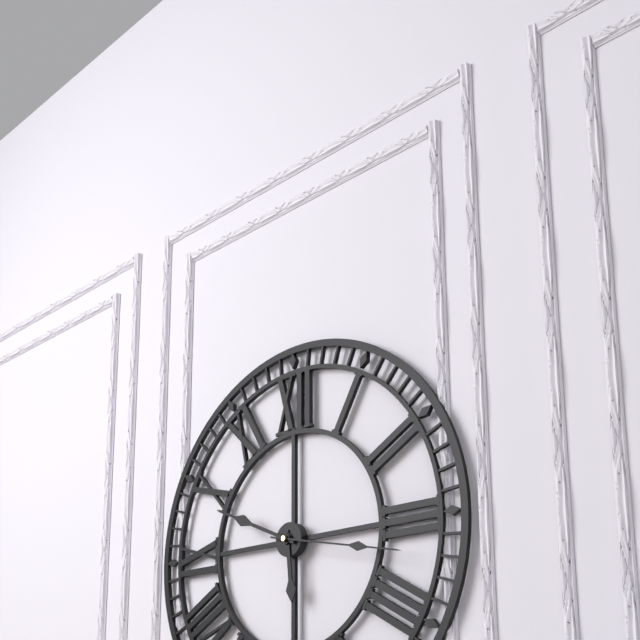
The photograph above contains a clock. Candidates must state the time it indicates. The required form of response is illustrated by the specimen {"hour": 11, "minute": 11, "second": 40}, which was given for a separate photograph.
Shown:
{"hour": 5, "minute": 49, "second": 17}
